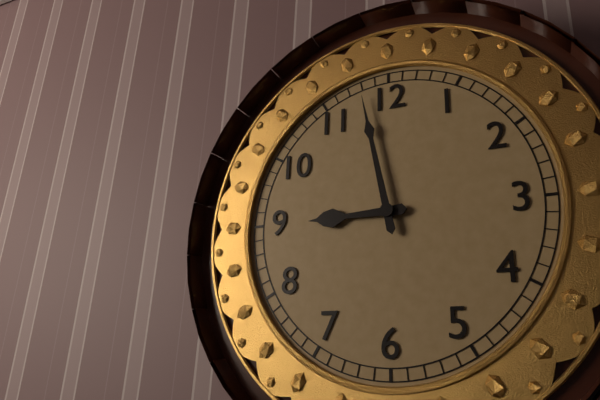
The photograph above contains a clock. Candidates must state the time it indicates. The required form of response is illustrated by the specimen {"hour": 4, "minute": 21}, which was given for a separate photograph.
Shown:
{"hour": 8, "minute": 58}
